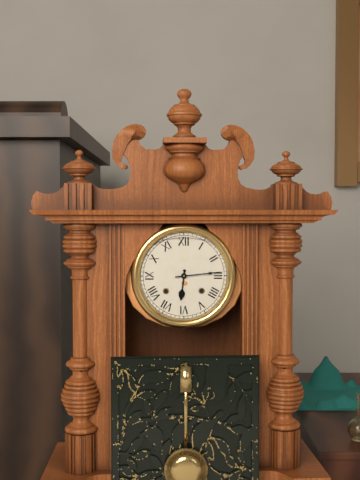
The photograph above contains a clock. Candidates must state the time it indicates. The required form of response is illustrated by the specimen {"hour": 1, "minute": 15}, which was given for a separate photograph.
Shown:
{"hour": 6, "minute": 14}
